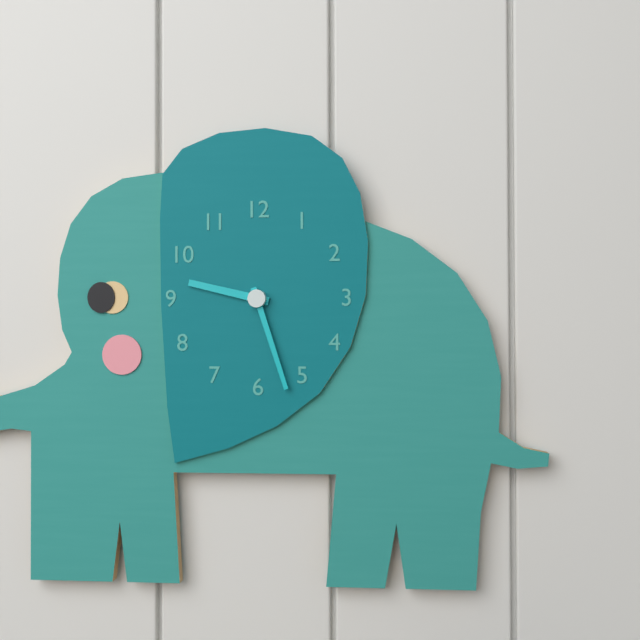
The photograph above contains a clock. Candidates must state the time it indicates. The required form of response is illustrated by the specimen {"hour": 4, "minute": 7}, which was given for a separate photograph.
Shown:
{"hour": 9, "minute": 27}
